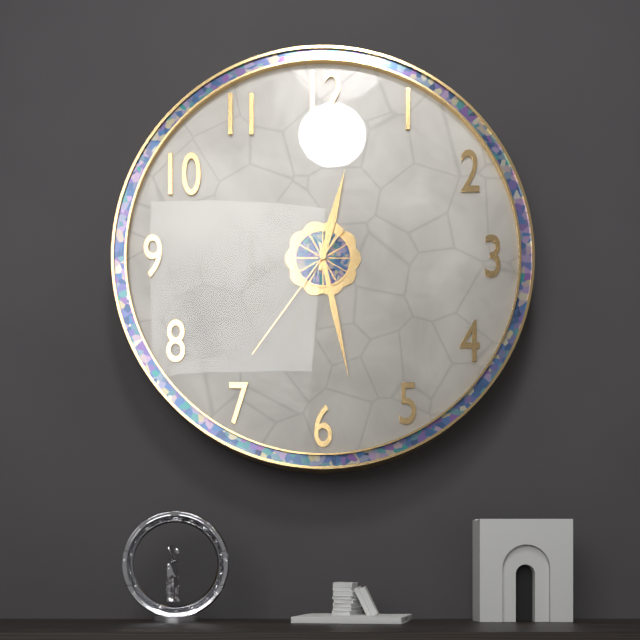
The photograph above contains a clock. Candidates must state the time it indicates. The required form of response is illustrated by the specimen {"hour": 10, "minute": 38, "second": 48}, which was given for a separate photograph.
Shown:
{"hour": 12, "minute": 28, "second": 36}
